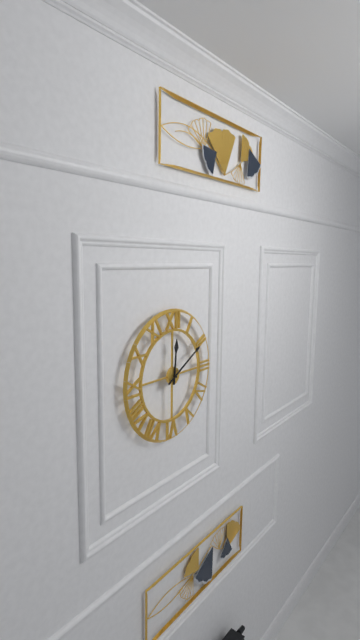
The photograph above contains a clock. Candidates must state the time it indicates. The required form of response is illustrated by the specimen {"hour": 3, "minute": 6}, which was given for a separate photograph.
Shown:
{"hour": 12, "minute": 10}
